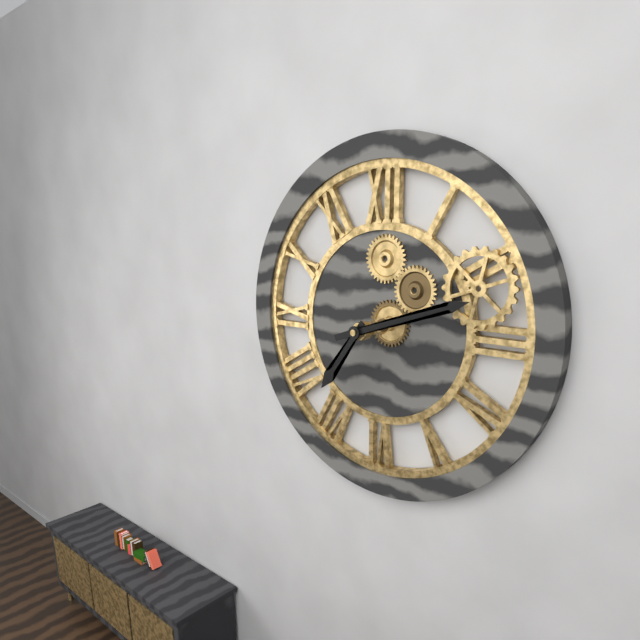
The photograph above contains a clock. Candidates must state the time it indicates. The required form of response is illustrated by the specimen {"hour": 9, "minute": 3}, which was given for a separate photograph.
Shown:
{"hour": 7, "minute": 12}
